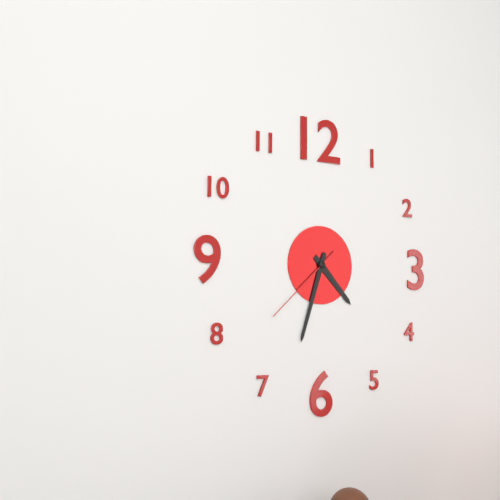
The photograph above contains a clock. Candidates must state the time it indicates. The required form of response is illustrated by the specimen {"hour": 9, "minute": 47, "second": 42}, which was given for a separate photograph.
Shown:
{"hour": 4, "minute": 33, "second": 38}
